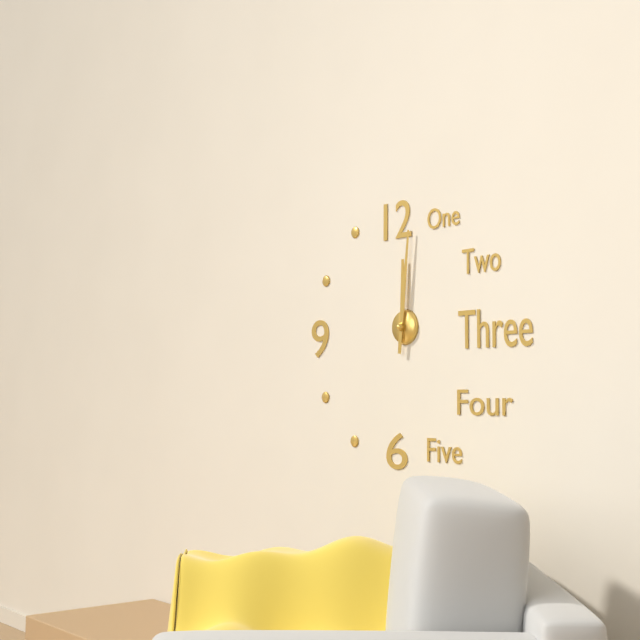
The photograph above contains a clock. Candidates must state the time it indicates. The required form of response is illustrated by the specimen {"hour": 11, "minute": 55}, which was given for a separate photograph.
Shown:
{"hour": 12, "minute": 1}
